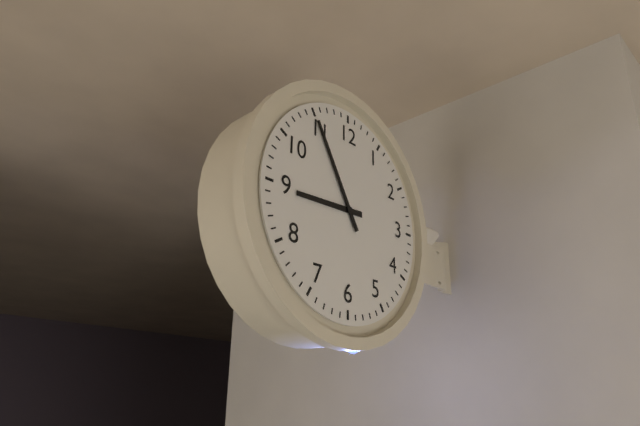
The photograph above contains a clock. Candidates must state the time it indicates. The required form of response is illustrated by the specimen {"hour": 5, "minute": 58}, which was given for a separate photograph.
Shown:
{"hour": 8, "minute": 55}
